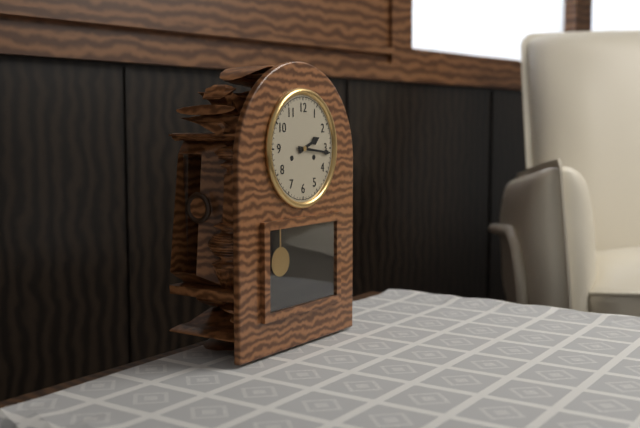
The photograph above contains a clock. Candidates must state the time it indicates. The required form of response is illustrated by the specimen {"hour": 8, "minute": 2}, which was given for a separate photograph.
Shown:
{"hour": 2, "minute": 16}
